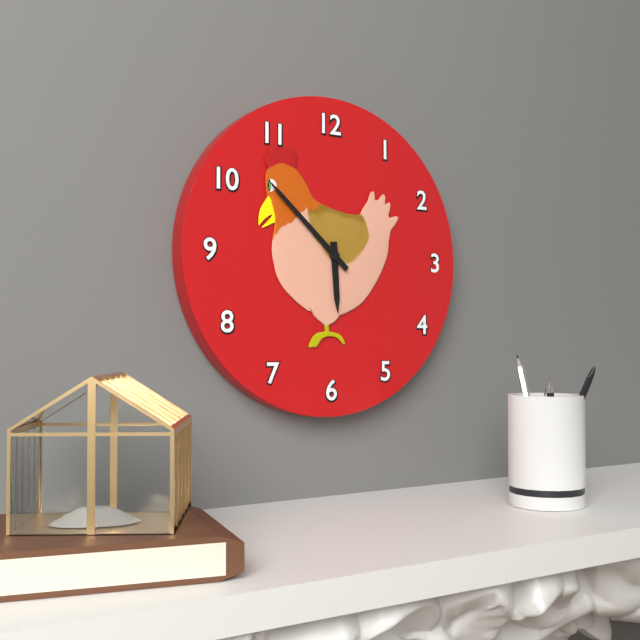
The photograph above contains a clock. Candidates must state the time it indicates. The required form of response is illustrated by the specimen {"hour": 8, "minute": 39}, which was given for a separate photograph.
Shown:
{"hour": 5, "minute": 52}
